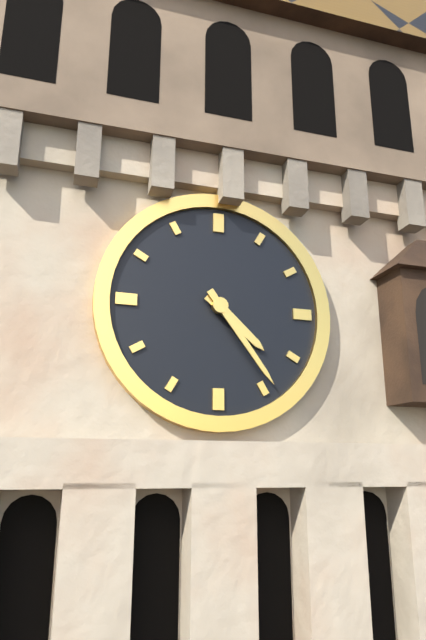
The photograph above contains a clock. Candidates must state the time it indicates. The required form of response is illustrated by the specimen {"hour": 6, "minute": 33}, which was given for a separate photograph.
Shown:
{"hour": 4, "minute": 24}
